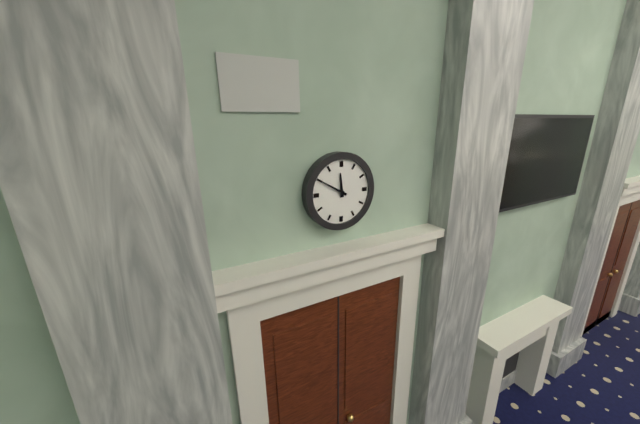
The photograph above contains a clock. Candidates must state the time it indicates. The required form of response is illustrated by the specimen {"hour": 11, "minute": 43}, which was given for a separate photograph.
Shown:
{"hour": 11, "minute": 50}
